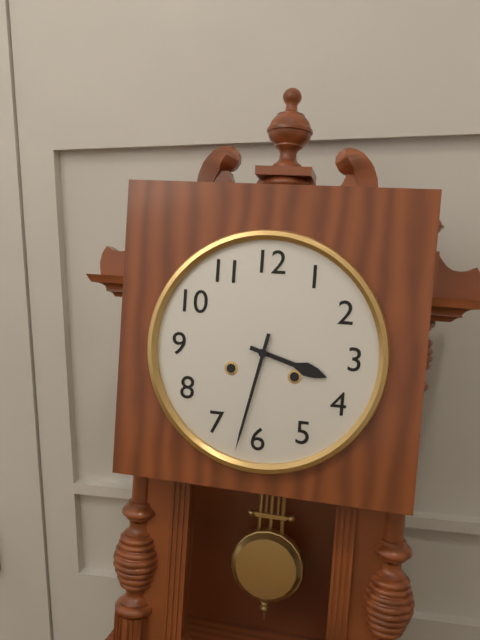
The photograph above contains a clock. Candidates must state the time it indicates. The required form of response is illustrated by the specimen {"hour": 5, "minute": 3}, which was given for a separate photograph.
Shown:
{"hour": 3, "minute": 32}
